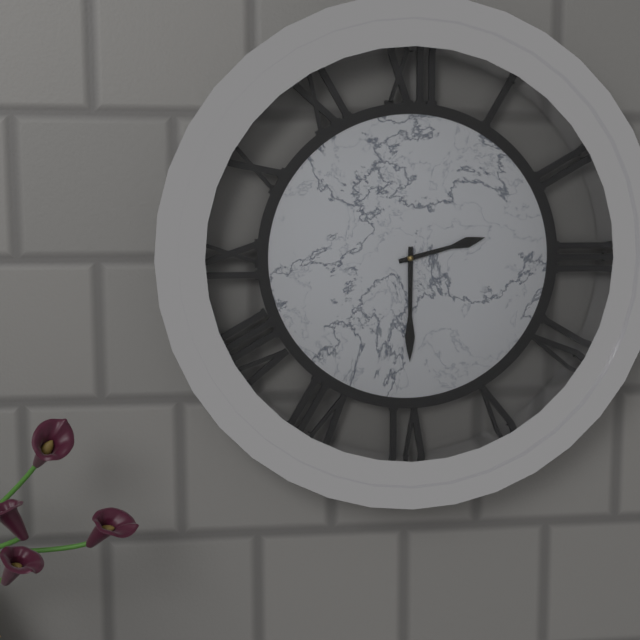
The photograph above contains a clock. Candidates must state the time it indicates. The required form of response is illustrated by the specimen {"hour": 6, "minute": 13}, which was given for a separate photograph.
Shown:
{"hour": 2, "minute": 30}
